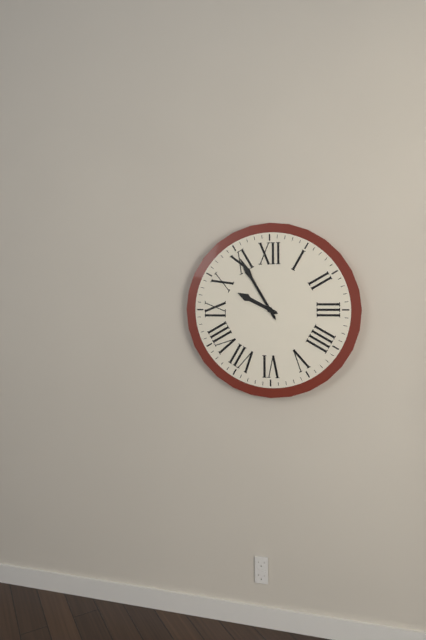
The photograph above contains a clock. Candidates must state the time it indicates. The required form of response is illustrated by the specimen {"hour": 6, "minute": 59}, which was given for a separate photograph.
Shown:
{"hour": 9, "minute": 55}
